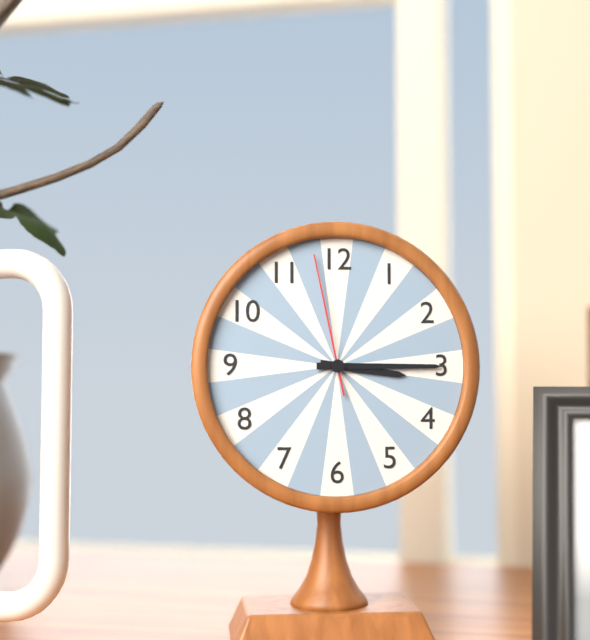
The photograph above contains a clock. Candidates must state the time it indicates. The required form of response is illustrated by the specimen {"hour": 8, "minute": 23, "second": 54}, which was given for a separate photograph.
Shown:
{"hour": 3, "minute": 15, "second": 58}
